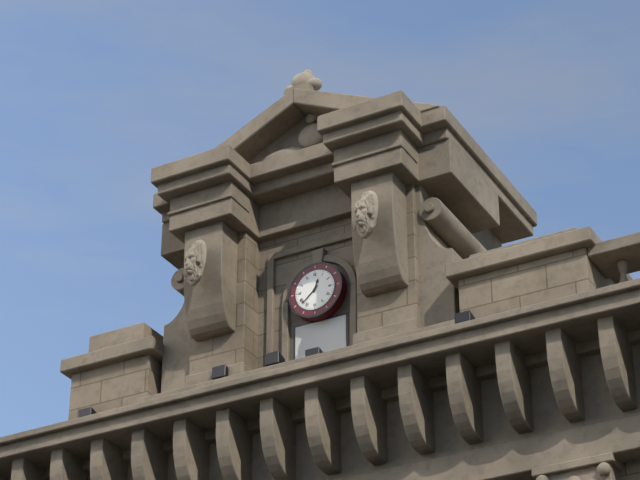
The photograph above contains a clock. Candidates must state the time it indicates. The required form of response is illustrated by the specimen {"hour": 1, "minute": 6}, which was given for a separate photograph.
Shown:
{"hour": 12, "minute": 38}
